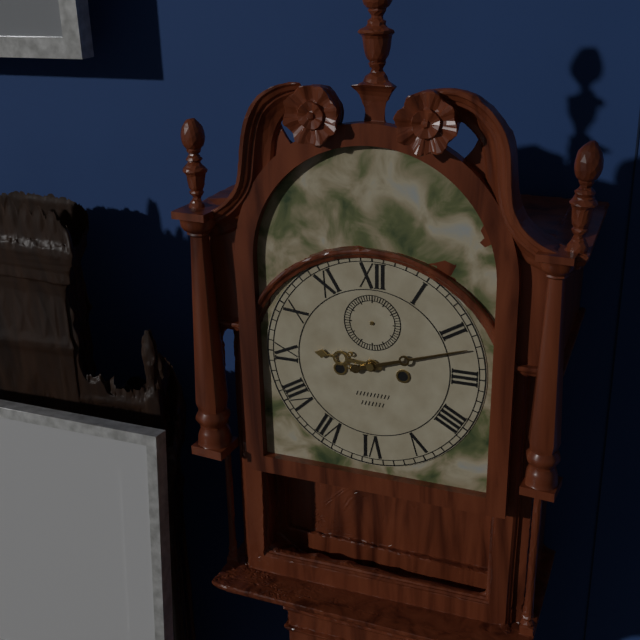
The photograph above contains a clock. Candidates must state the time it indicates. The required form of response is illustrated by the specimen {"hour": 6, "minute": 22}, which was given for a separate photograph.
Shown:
{"hour": 9, "minute": 12}
